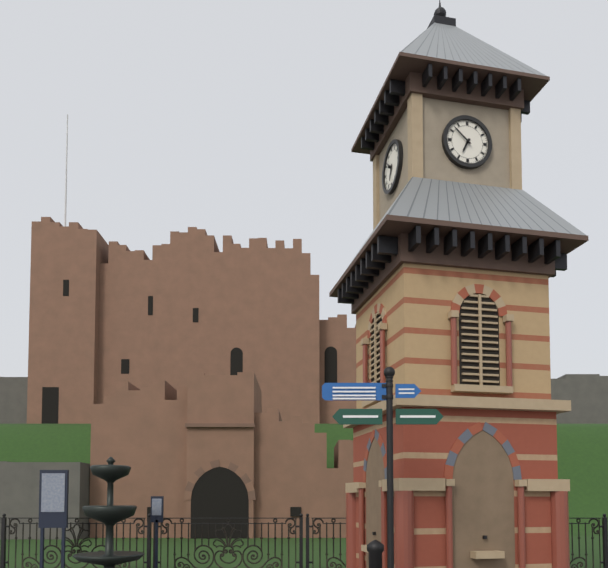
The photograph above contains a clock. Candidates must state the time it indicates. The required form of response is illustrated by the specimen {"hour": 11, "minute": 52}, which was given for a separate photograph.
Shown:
{"hour": 6, "minute": 52}
